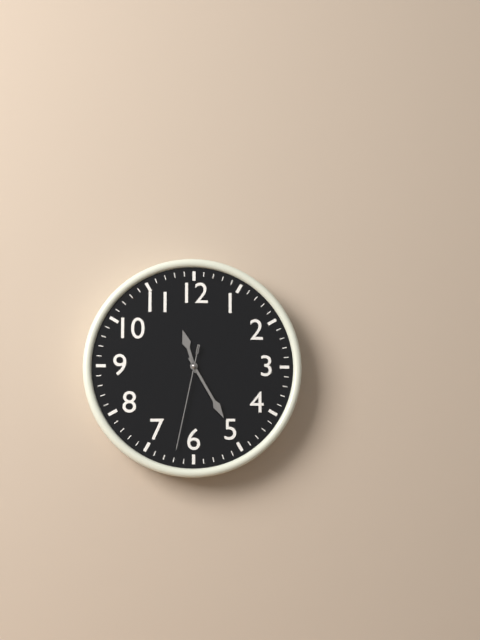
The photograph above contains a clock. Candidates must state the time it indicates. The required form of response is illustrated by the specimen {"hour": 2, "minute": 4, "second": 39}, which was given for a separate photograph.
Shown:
{"hour": 11, "minute": 25, "second": 32}
